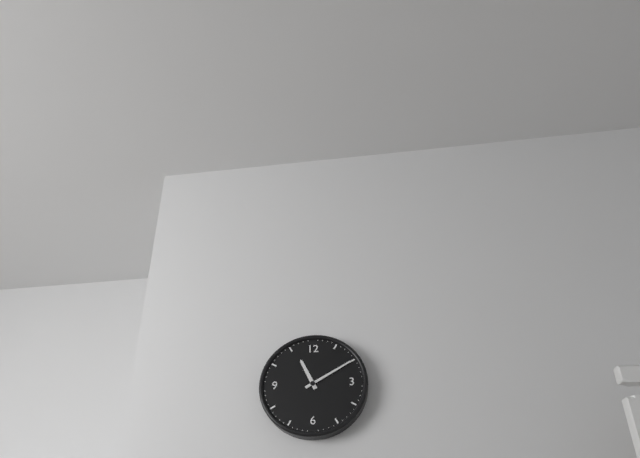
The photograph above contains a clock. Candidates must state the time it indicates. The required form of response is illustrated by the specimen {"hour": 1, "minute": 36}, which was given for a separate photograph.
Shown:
{"hour": 11, "minute": 10}
